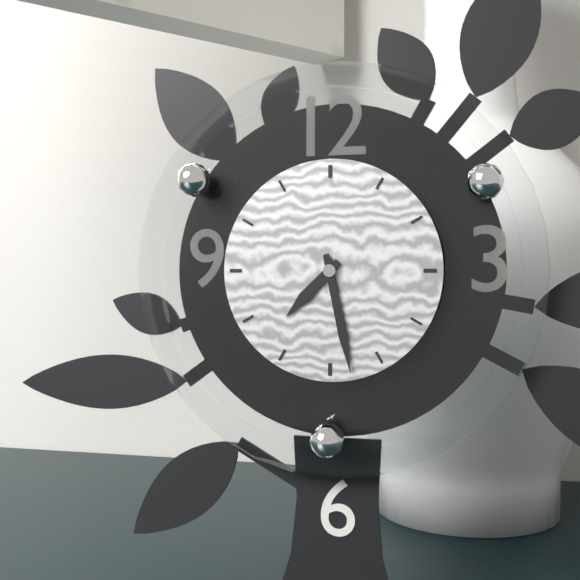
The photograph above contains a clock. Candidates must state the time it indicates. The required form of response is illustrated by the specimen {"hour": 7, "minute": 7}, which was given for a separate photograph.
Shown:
{"hour": 7, "minute": 28}
